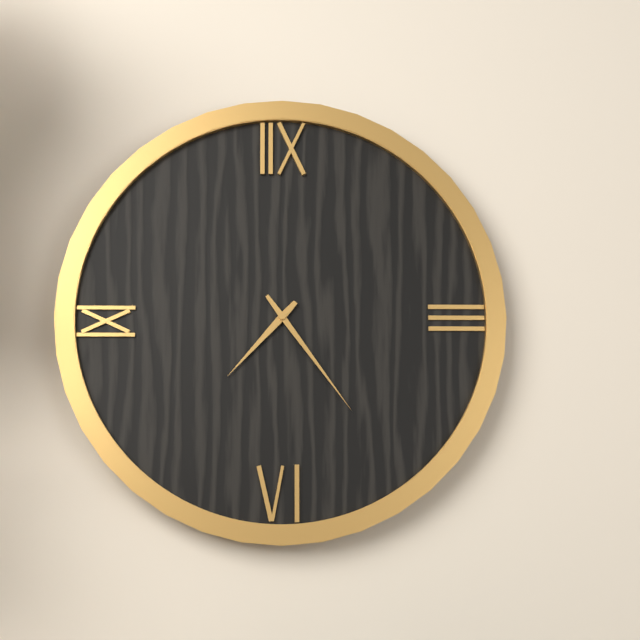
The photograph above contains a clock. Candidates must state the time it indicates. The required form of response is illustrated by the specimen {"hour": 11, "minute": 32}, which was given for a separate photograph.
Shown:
{"hour": 7, "minute": 24}
